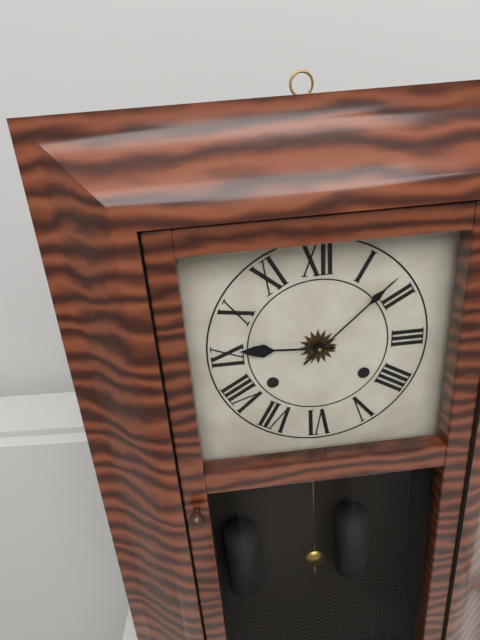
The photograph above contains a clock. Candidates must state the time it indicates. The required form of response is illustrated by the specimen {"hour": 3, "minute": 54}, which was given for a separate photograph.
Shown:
{"hour": 9, "minute": 8}
